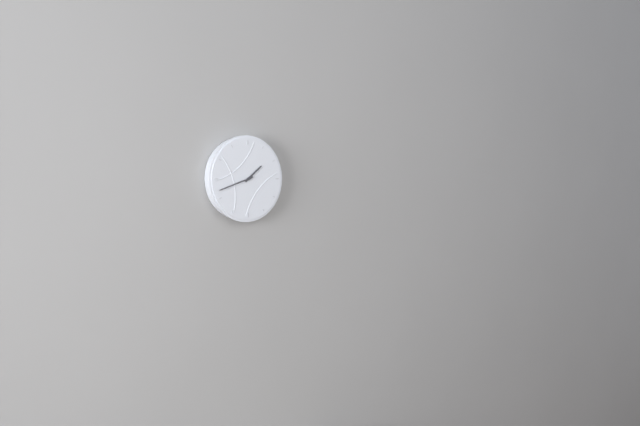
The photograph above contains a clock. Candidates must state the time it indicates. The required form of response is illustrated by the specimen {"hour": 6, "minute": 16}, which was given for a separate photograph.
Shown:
{"hour": 1, "minute": 42}
